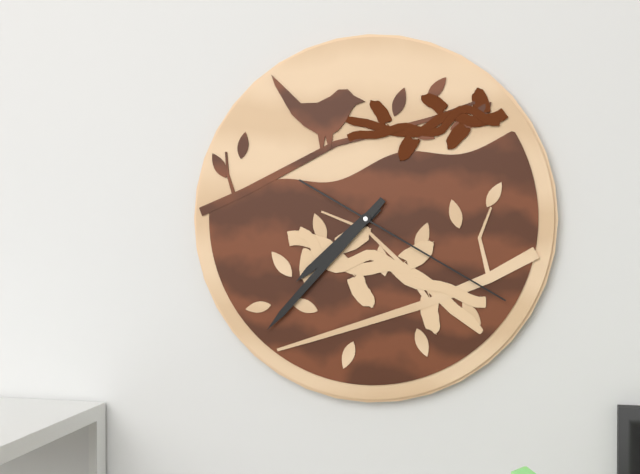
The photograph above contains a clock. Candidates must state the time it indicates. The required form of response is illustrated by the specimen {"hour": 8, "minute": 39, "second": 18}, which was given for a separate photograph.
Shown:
{"hour": 7, "minute": 37, "second": 20}
